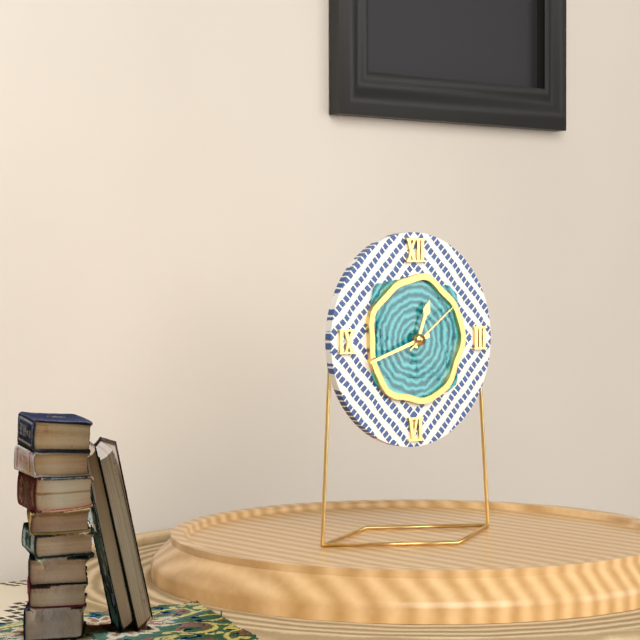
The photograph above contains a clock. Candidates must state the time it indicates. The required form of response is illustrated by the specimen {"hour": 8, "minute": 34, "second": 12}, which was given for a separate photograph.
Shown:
{"hour": 12, "minute": 42, "second": 9}
